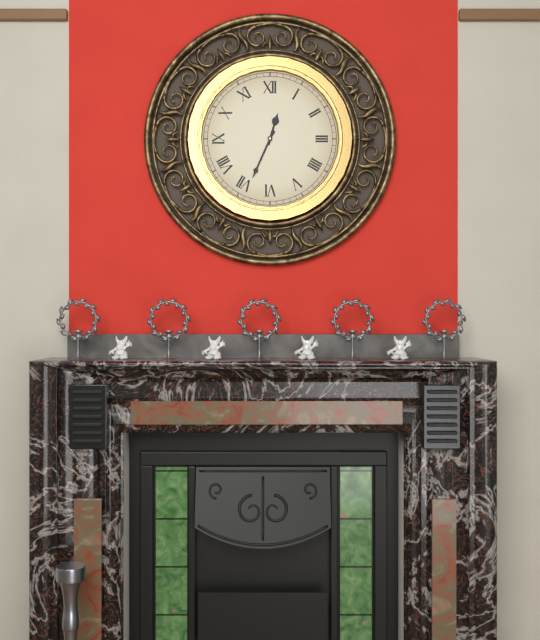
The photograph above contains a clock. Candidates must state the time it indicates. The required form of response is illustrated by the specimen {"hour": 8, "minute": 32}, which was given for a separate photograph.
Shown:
{"hour": 12, "minute": 34}
